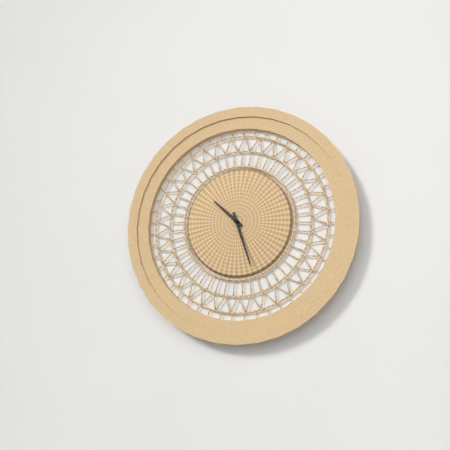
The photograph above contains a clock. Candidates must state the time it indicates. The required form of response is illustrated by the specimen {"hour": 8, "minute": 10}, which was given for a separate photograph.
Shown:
{"hour": 10, "minute": 27}
